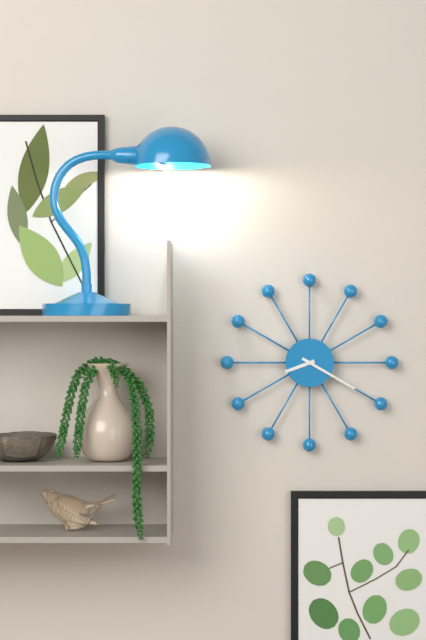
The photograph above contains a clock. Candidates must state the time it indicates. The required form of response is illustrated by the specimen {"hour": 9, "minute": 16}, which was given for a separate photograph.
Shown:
{"hour": 8, "minute": 20}
